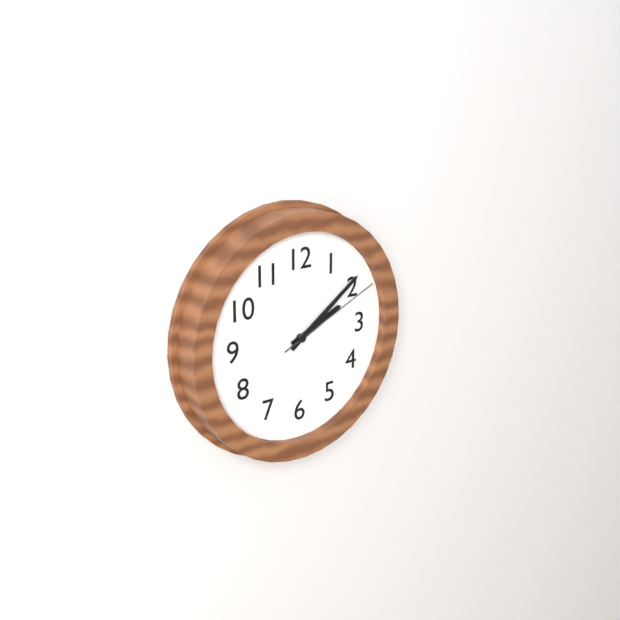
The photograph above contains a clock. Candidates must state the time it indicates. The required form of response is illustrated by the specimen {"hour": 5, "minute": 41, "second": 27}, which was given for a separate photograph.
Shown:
{"hour": 2, "minute": 9, "second": 11}
